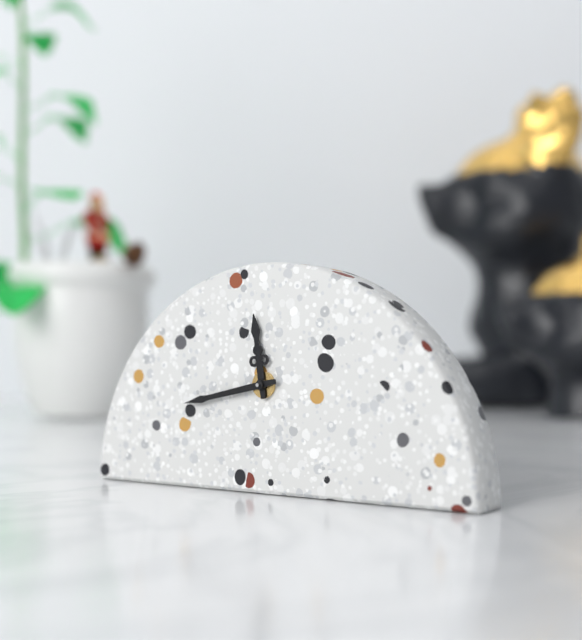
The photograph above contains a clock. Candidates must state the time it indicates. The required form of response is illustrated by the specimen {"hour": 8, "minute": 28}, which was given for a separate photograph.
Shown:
{"hour": 11, "minute": 43}
